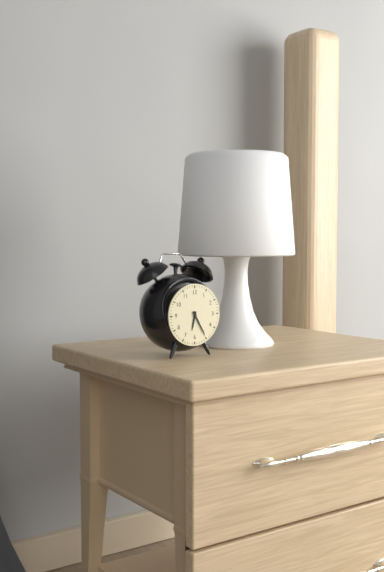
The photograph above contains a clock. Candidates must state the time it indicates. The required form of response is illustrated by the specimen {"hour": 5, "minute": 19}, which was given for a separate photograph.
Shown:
{"hour": 6, "minute": 25}
